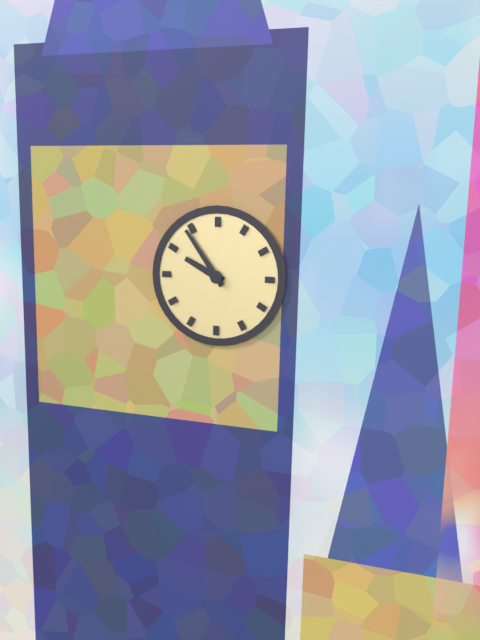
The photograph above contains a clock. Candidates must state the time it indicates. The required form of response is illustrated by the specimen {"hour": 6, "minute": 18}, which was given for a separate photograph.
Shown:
{"hour": 9, "minute": 54}
